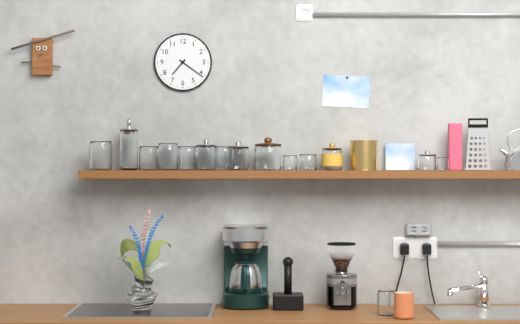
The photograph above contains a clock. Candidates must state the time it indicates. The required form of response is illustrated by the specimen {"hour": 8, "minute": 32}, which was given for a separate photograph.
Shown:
{"hour": 7, "minute": 21}
